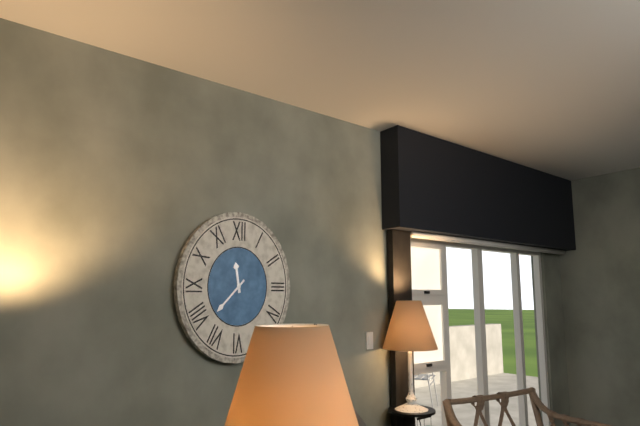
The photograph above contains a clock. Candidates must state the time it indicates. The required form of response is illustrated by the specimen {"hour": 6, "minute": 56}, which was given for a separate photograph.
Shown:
{"hour": 11, "minute": 38}
